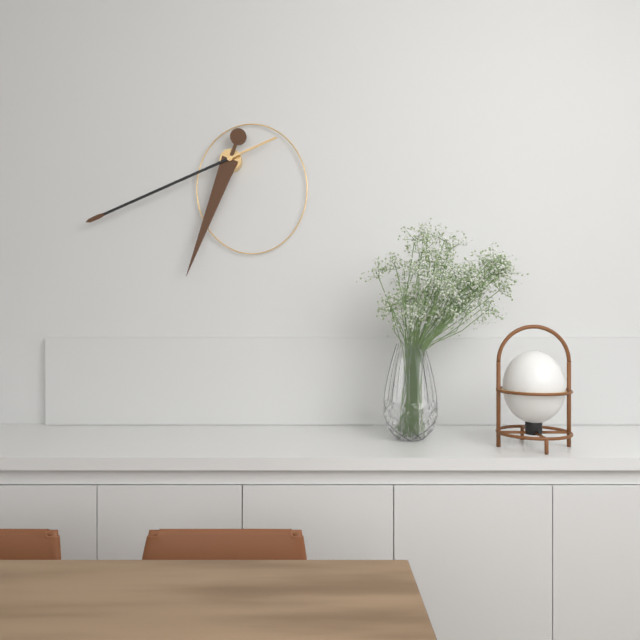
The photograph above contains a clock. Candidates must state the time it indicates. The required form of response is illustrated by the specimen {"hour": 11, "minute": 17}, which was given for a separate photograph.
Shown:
{"hour": 6, "minute": 41}
